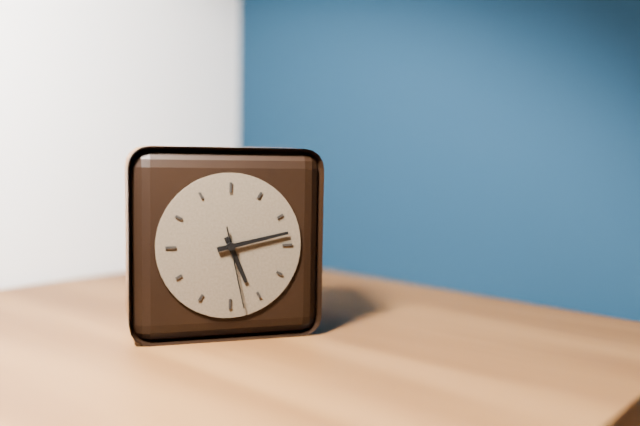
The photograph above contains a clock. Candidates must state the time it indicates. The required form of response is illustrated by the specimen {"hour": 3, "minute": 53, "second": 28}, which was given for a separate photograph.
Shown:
{"hour": 5, "minute": 13, "second": 28}
